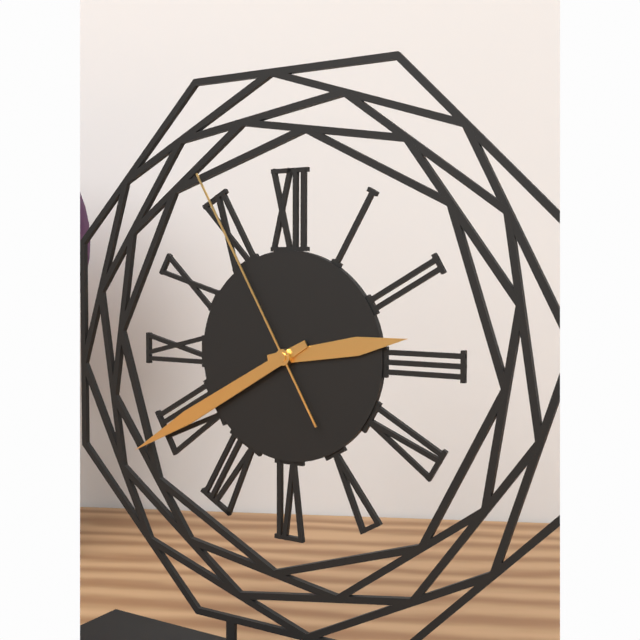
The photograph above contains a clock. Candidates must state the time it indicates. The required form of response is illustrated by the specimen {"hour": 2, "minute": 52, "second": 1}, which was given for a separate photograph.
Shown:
{"hour": 2, "minute": 40, "second": 55}
